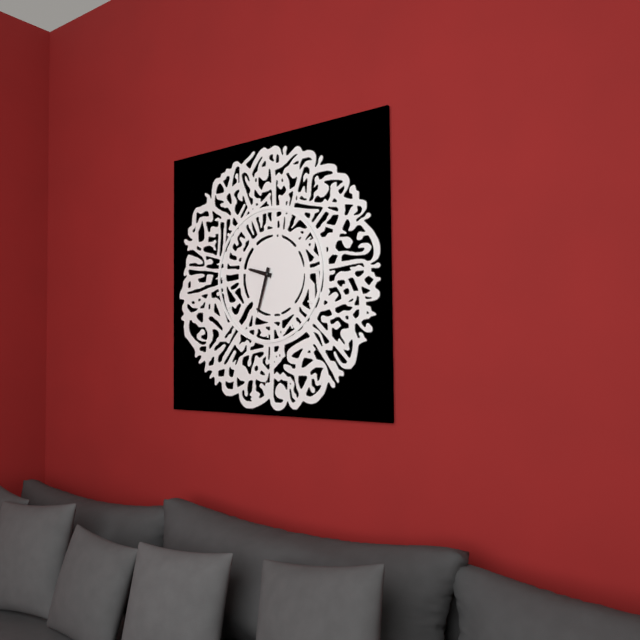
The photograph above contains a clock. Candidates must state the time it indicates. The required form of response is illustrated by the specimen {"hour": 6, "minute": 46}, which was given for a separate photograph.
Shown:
{"hour": 9, "minute": 33}
